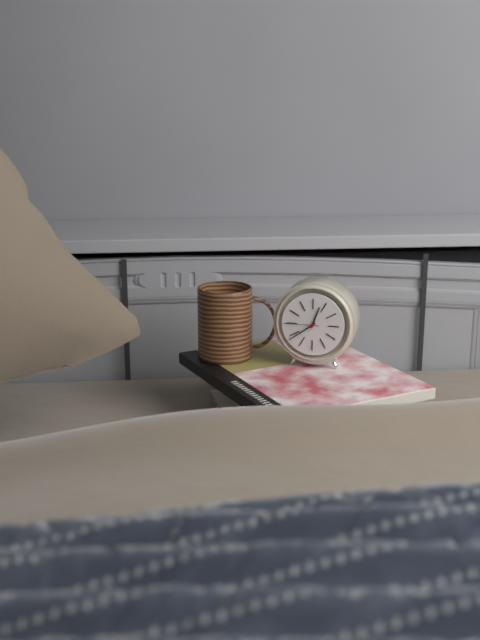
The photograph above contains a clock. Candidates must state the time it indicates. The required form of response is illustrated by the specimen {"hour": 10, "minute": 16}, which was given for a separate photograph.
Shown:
{"hour": 12, "minute": 39}
